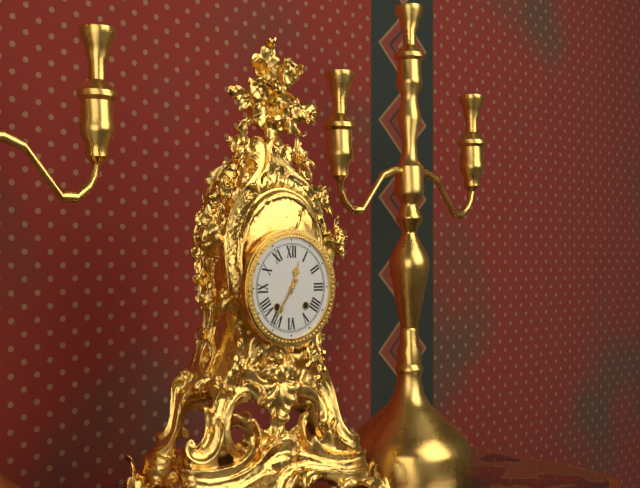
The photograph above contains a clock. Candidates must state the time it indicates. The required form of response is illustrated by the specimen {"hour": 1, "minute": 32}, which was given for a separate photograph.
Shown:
{"hour": 12, "minute": 36}
